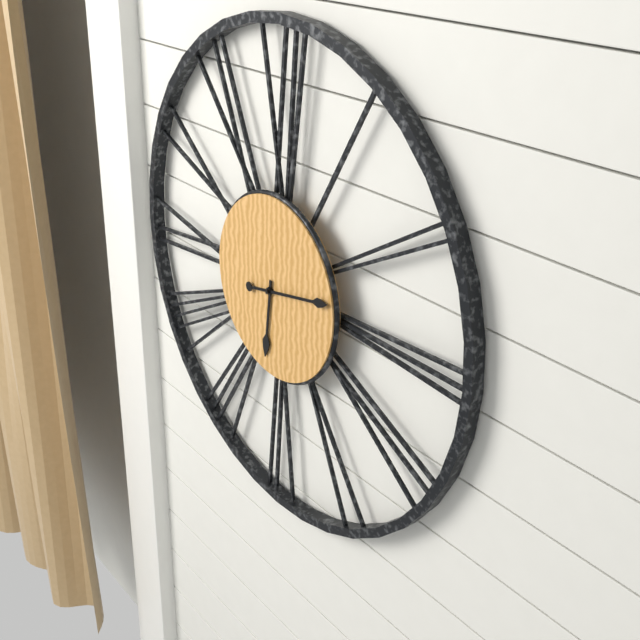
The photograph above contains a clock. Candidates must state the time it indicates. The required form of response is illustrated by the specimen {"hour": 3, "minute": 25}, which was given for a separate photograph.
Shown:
{"hour": 6, "minute": 13}
